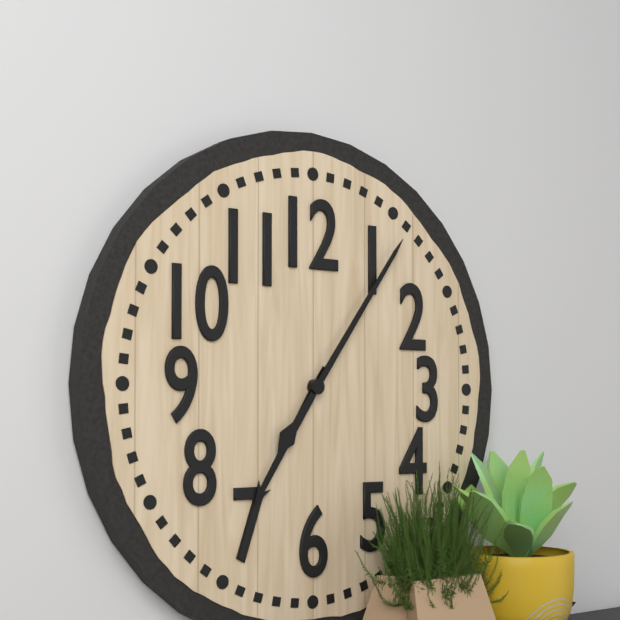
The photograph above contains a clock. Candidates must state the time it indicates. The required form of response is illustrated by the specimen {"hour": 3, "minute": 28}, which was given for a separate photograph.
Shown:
{"hour": 7, "minute": 6}
